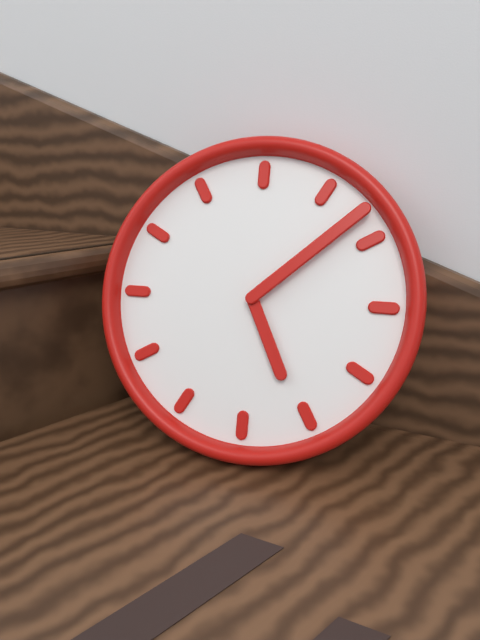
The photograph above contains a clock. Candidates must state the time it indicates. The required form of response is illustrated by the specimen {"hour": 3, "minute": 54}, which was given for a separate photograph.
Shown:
{"hour": 5, "minute": 8}
